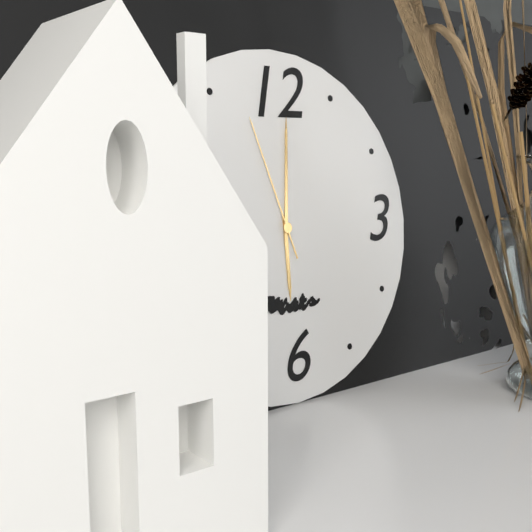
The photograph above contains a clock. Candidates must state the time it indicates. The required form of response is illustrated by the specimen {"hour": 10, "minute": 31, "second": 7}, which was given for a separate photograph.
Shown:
{"hour": 6, "minute": 1, "second": 57}
